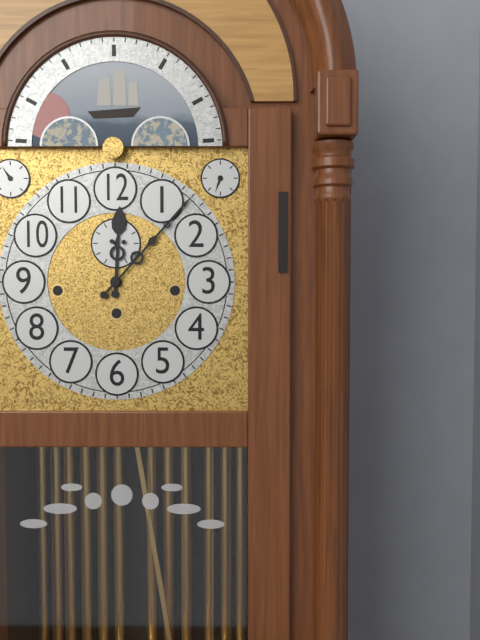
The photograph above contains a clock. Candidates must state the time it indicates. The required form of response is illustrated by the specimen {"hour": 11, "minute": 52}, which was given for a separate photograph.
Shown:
{"hour": 12, "minute": 7}
